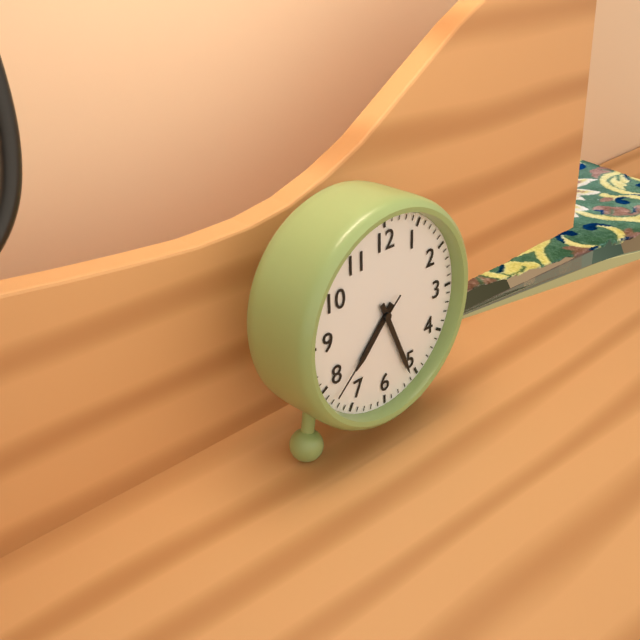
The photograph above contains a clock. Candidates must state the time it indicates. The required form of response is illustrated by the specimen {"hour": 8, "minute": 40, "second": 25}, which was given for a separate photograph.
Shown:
{"hour": 7, "minute": 26, "second": 38}
